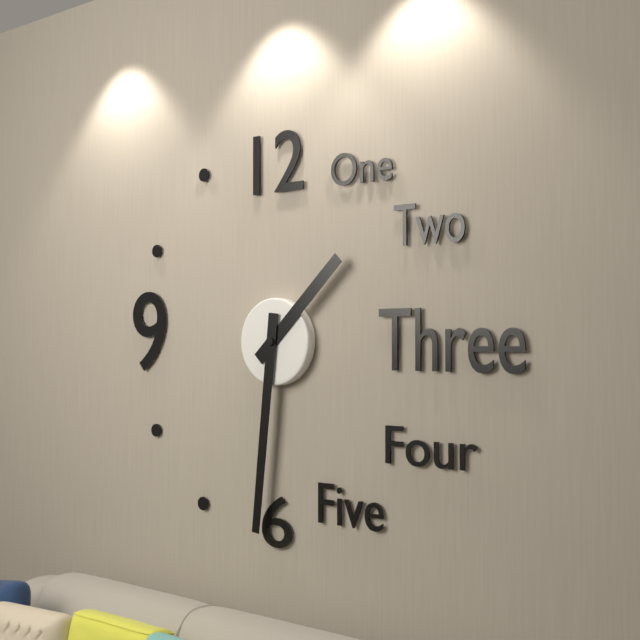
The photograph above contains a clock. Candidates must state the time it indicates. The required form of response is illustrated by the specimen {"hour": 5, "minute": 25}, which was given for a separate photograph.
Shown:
{"hour": 1, "minute": 31}
